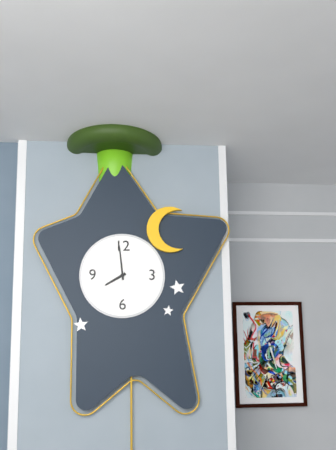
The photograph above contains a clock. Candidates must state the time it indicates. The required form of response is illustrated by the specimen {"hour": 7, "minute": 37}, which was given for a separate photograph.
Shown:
{"hour": 7, "minute": 59}
